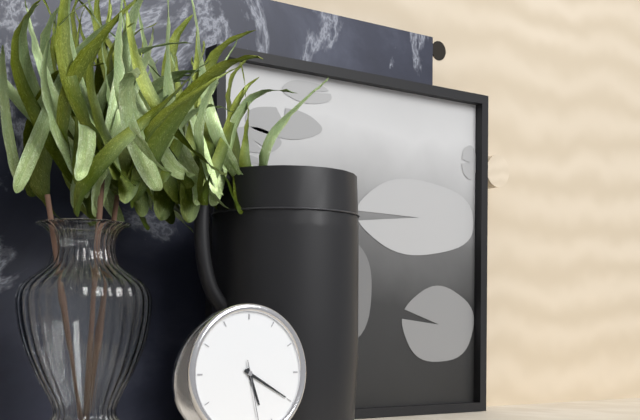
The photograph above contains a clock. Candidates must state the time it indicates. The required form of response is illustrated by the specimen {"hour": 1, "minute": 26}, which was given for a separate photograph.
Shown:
{"hour": 5, "minute": 20}
